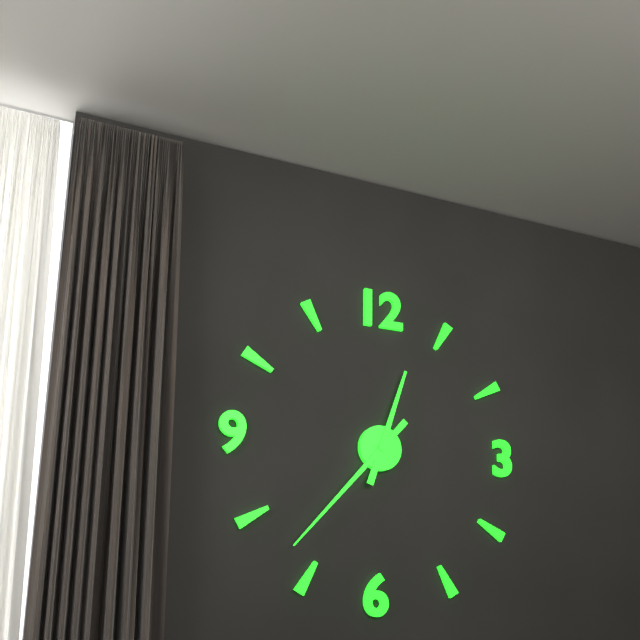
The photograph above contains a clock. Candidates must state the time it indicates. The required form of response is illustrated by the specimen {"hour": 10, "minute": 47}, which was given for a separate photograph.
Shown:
{"hour": 12, "minute": 37}
